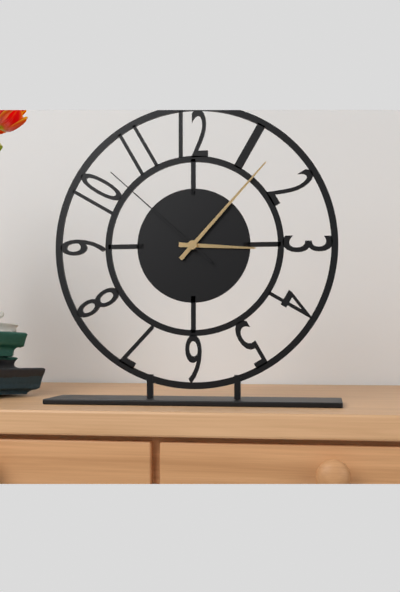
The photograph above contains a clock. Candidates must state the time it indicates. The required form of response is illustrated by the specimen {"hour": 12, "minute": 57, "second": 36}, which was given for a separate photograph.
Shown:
{"hour": 3, "minute": 7, "second": 52}
